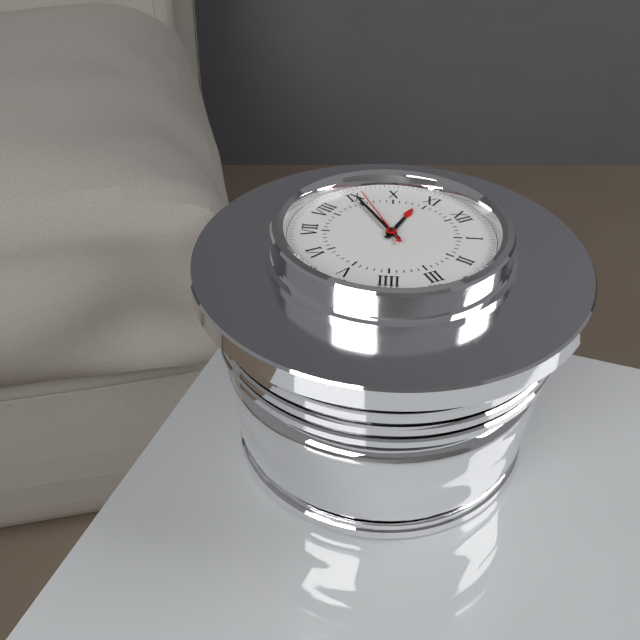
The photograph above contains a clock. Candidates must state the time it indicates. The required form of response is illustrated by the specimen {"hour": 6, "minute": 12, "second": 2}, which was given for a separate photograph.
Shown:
{"hour": 10, "minute": 45, "second": 46}
